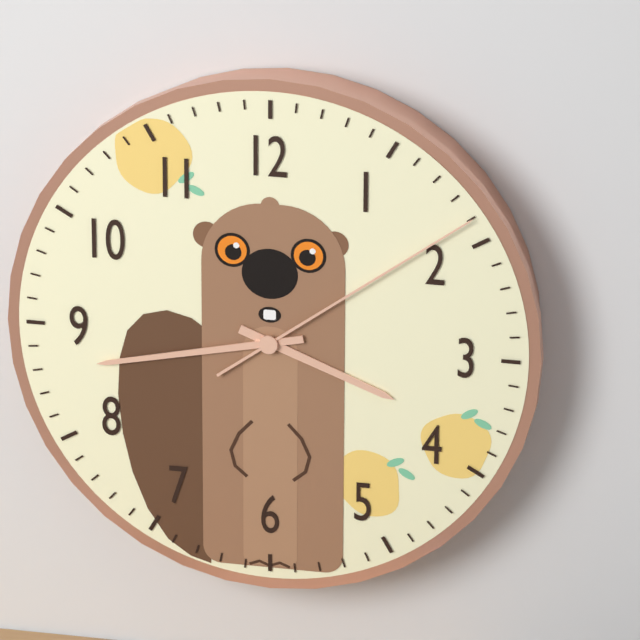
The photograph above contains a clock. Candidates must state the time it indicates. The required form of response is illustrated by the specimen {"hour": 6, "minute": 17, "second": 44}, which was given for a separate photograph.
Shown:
{"hour": 3, "minute": 43, "second": 9}
